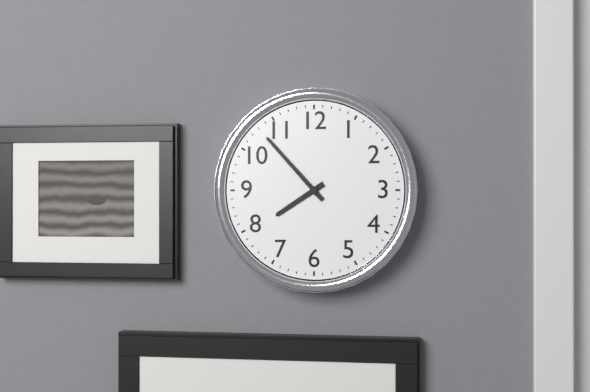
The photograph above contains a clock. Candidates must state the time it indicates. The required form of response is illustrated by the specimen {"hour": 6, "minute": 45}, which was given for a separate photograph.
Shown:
{"hour": 7, "minute": 53}
